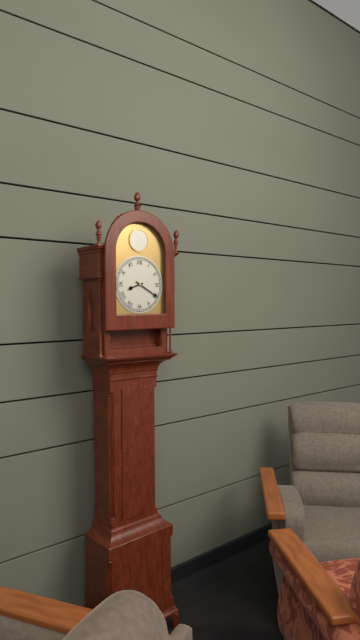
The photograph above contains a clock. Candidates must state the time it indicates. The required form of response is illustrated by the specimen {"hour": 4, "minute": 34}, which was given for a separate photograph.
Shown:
{"hour": 8, "minute": 20}
